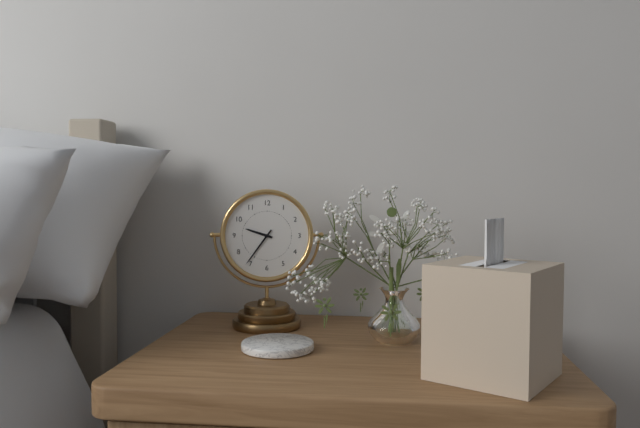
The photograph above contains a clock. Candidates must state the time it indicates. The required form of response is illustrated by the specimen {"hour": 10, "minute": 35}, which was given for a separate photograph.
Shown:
{"hour": 9, "minute": 36}
